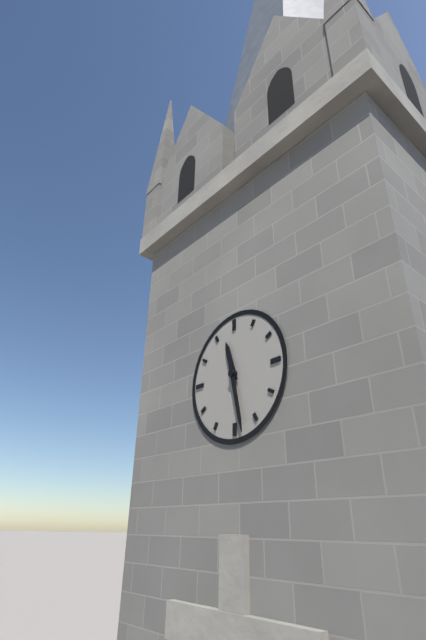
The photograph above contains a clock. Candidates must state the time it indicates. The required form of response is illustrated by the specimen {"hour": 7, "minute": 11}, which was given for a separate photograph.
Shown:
{"hour": 11, "minute": 28}
